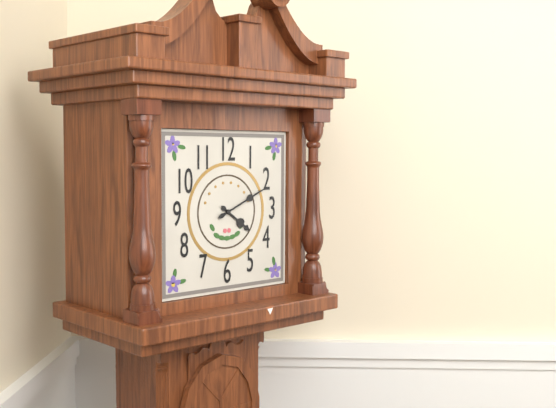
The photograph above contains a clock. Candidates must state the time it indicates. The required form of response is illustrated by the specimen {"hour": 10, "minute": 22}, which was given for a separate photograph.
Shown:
{"hour": 4, "minute": 11}
